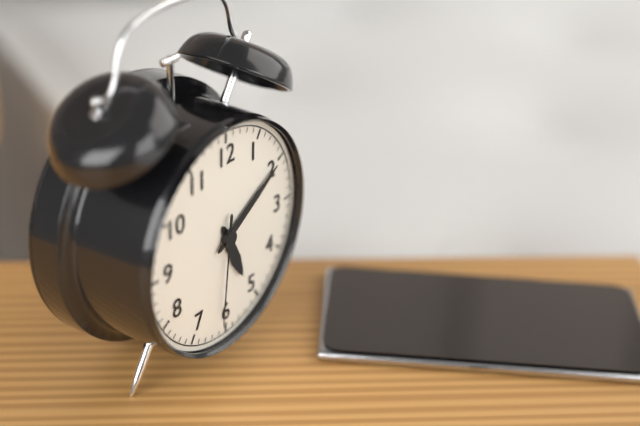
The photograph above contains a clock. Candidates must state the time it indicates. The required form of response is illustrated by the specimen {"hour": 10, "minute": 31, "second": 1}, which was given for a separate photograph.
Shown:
{"hour": 5, "minute": 10, "second": 31}
